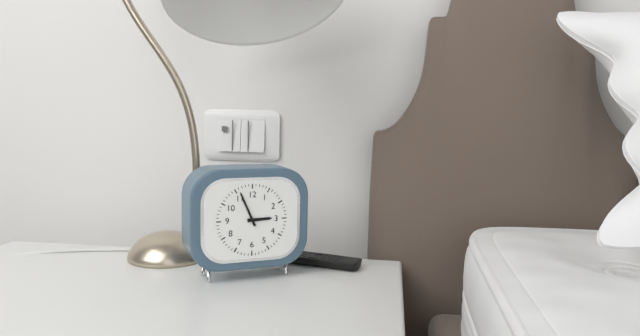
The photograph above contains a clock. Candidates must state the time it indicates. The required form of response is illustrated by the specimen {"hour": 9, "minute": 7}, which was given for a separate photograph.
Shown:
{"hour": 2, "minute": 56}
